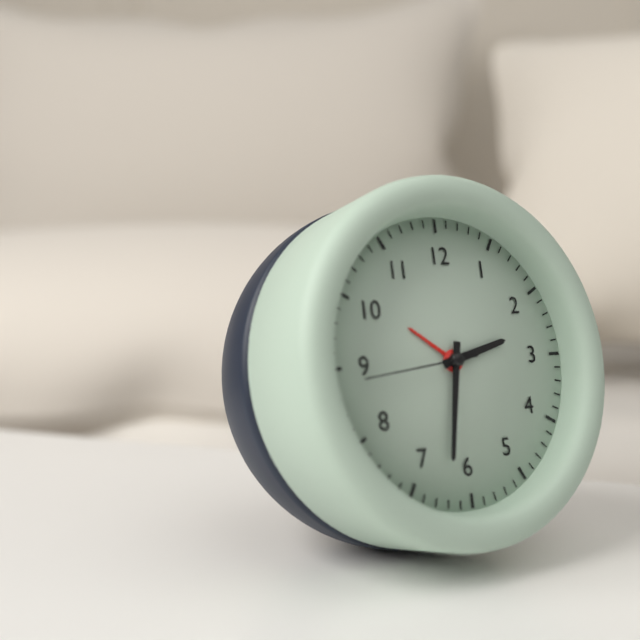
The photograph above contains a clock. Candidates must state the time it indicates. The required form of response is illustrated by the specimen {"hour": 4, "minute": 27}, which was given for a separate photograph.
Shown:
{"hour": 2, "minute": 32}
